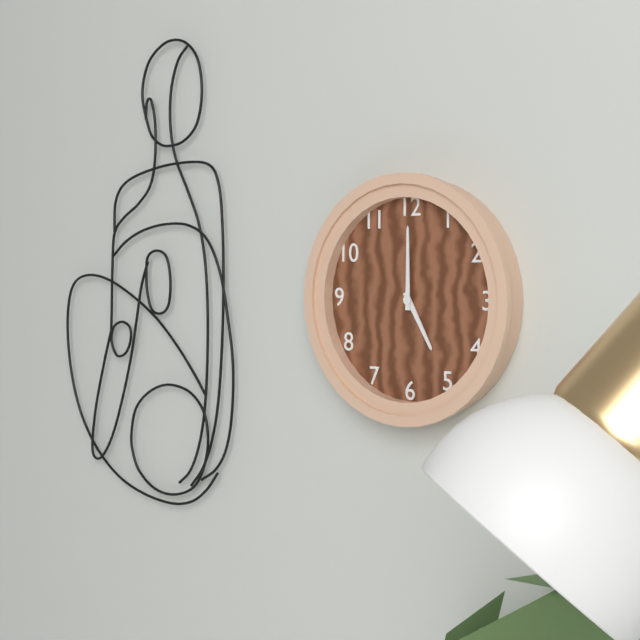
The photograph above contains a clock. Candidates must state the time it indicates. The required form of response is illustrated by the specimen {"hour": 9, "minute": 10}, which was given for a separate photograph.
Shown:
{"hour": 5, "minute": 0}
